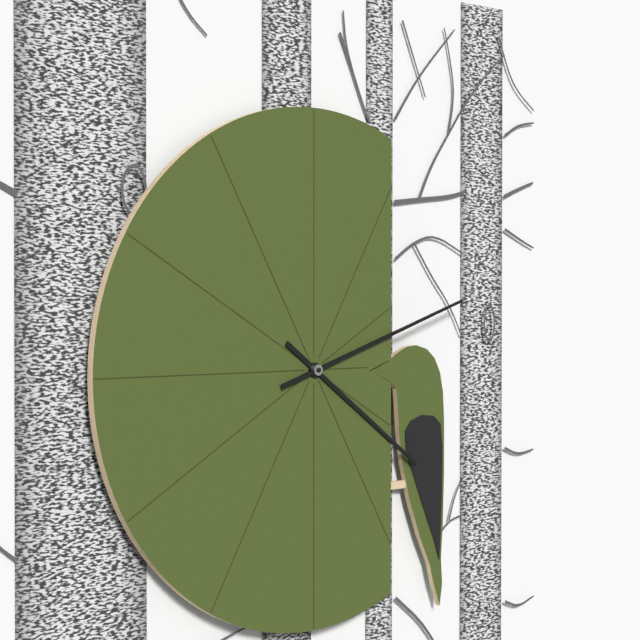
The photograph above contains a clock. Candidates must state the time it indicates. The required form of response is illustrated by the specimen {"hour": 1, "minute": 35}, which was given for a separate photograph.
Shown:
{"hour": 4, "minute": 12}
